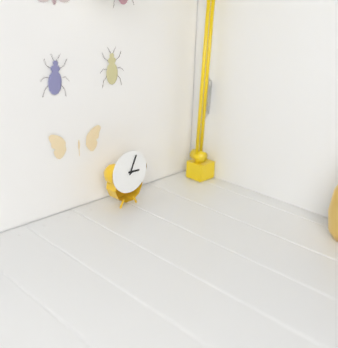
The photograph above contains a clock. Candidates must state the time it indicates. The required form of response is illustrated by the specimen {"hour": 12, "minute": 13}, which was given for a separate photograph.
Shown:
{"hour": 3, "minute": 4}
